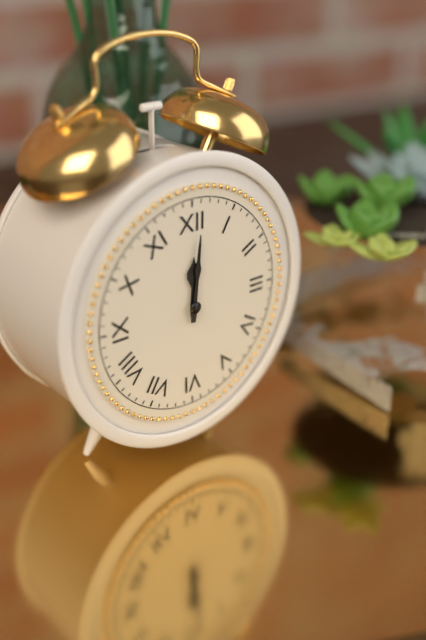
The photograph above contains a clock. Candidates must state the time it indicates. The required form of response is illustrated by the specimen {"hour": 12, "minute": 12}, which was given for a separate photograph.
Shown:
{"hour": 12, "minute": 1}
